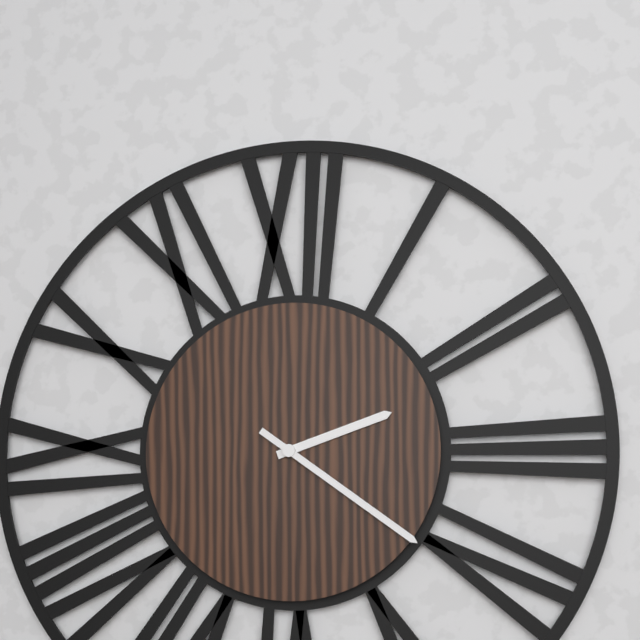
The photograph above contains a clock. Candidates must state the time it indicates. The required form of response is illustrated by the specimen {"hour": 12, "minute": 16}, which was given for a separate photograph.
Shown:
{"hour": 2, "minute": 21}
